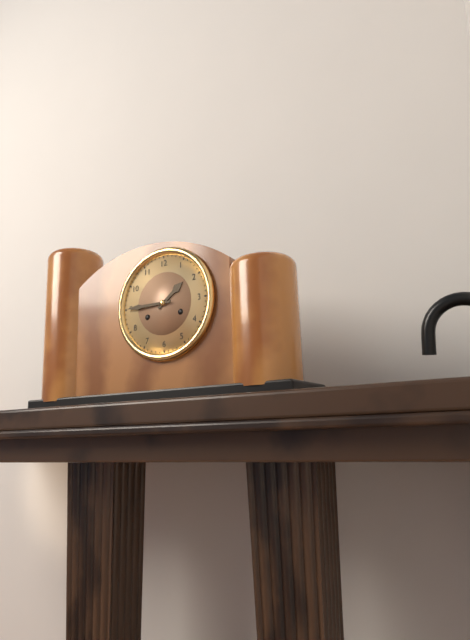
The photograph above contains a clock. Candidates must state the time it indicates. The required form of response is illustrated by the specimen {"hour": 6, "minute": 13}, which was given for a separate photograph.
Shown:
{"hour": 1, "minute": 45}
